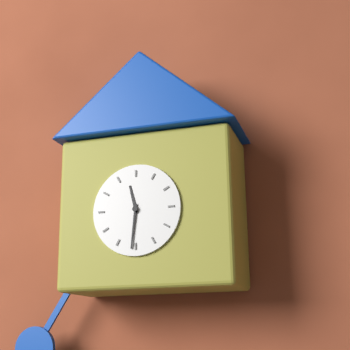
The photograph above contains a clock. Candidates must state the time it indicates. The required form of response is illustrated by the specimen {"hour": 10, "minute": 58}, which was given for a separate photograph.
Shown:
{"hour": 11, "minute": 31}
